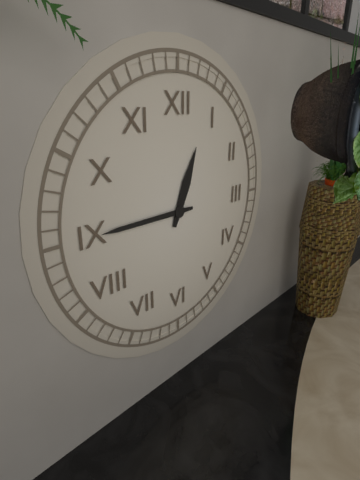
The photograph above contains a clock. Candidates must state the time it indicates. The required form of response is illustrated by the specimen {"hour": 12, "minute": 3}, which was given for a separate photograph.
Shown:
{"hour": 12, "minute": 45}
